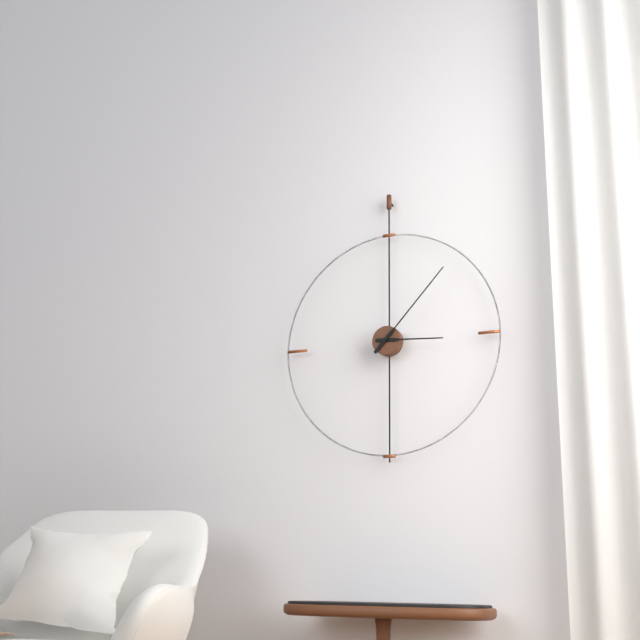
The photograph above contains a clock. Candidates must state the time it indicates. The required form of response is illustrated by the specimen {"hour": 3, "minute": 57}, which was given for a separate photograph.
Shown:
{"hour": 3, "minute": 7}
